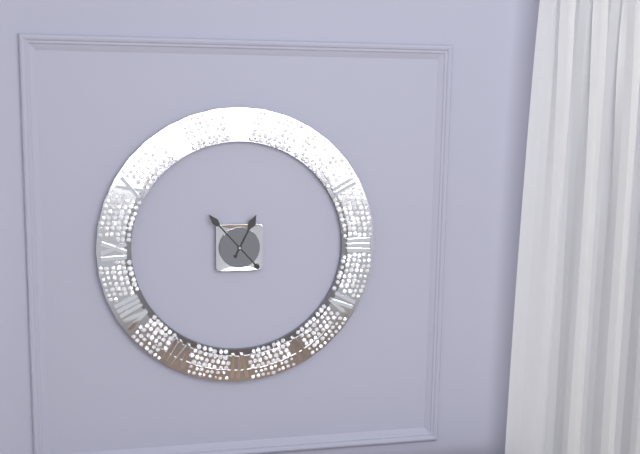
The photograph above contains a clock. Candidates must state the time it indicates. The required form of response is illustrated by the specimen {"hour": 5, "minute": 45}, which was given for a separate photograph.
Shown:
{"hour": 12, "minute": 53}
